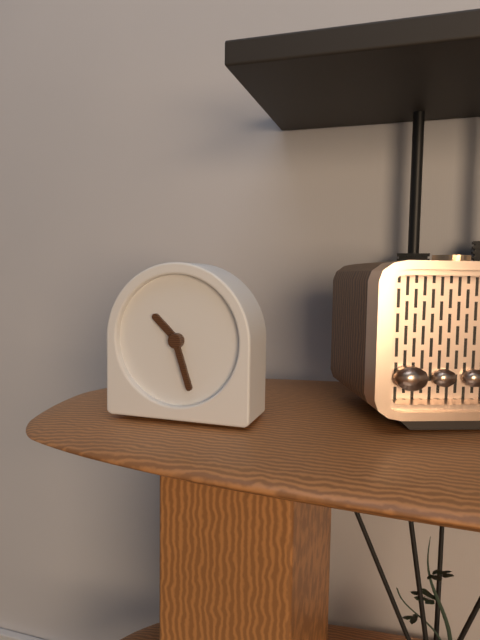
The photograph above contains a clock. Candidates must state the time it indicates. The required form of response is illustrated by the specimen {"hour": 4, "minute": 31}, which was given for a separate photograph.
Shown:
{"hour": 10, "minute": 27}
